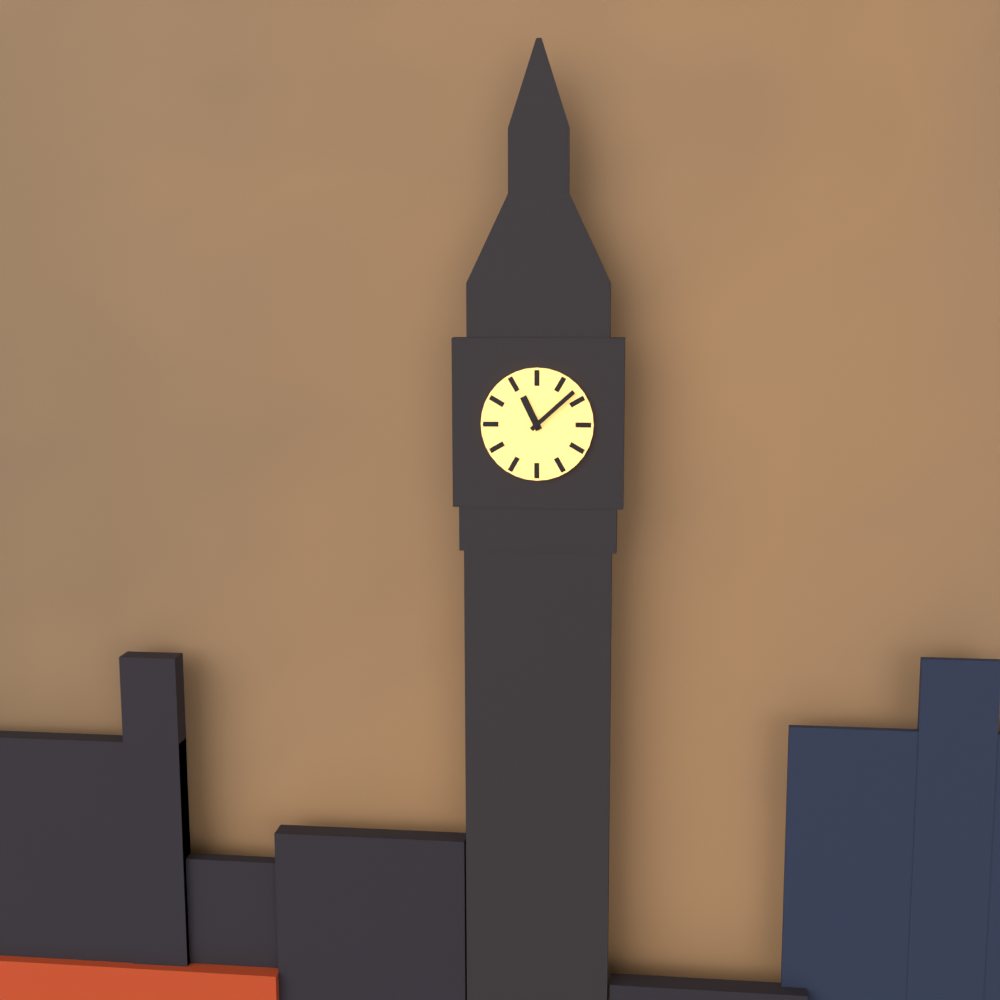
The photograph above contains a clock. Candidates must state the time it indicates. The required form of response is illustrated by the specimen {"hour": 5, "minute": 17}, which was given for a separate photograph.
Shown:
{"hour": 11, "minute": 8}
